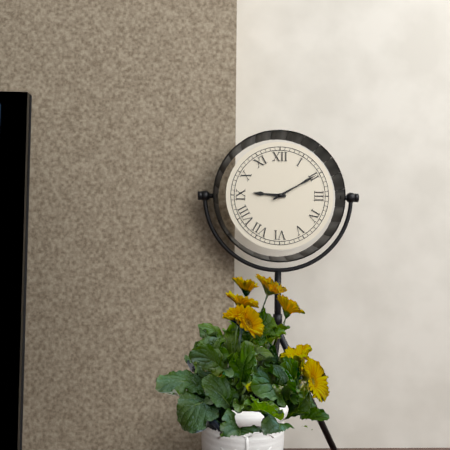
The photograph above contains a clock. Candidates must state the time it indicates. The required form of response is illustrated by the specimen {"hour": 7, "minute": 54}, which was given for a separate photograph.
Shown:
{"hour": 9, "minute": 10}
